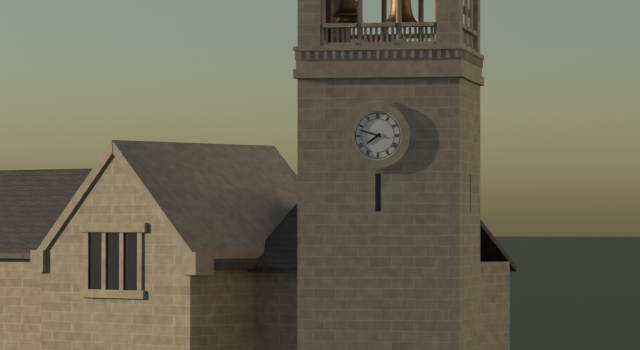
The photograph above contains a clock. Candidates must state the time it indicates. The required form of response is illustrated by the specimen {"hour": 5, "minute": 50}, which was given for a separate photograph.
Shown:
{"hour": 7, "minute": 48}
